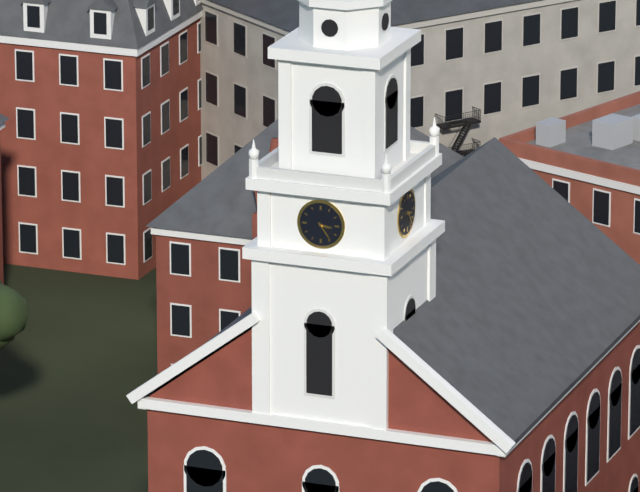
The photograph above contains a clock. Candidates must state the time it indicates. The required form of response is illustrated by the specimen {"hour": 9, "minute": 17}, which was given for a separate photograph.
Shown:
{"hour": 3, "minute": 24}
